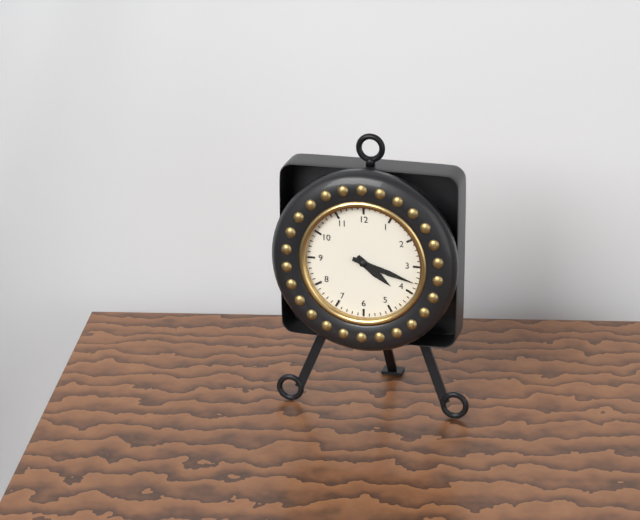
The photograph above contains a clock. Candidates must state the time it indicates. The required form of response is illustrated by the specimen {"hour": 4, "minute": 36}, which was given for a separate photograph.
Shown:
{"hour": 4, "minute": 18}
